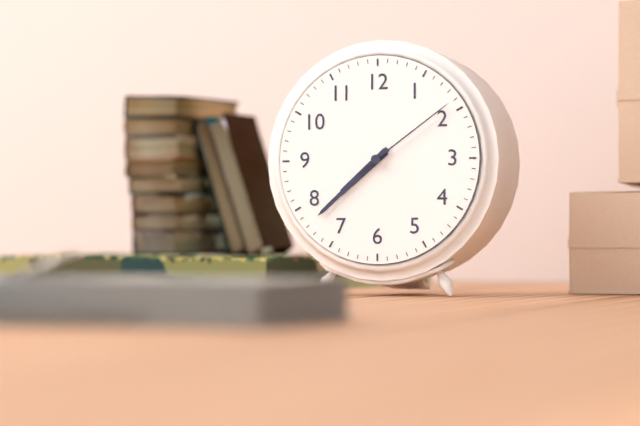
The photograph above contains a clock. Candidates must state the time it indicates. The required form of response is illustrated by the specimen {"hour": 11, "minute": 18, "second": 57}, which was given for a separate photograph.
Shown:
{"hour": 7, "minute": 38, "second": 9}
